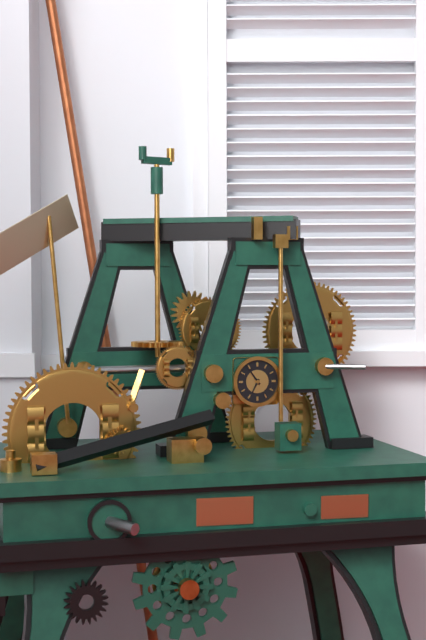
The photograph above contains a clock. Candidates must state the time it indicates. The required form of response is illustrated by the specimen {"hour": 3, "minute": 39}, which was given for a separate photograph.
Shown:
{"hour": 6, "minute": 54}
